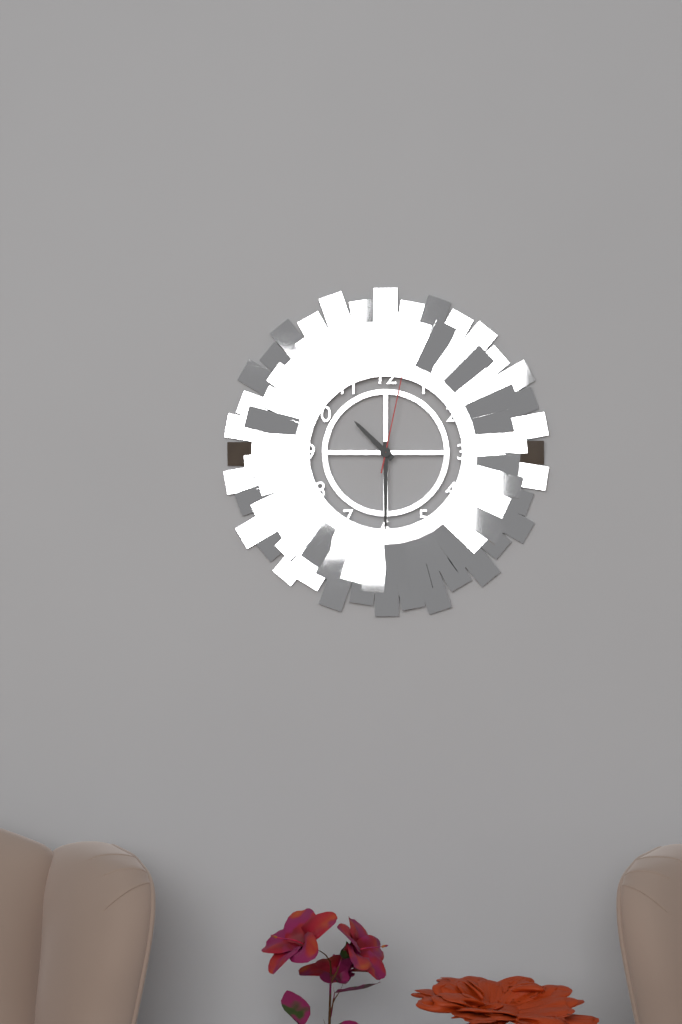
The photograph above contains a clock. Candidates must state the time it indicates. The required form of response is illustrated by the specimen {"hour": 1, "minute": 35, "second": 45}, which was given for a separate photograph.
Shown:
{"hour": 10, "minute": 30, "second": 2}
